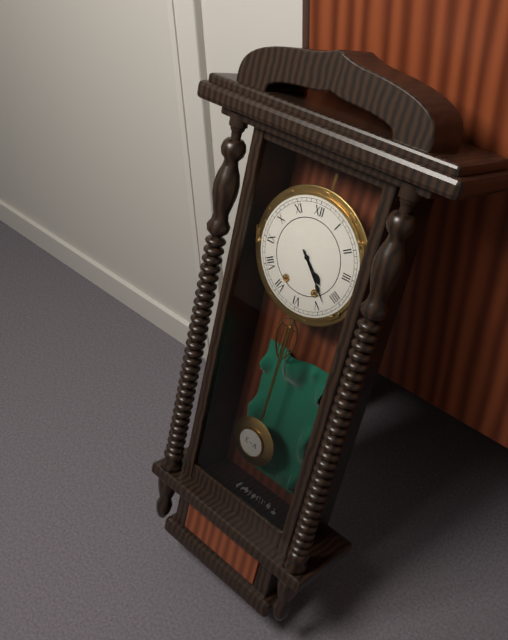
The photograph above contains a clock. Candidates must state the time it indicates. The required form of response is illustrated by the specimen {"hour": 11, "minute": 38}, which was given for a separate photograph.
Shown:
{"hour": 4, "minute": 23}
